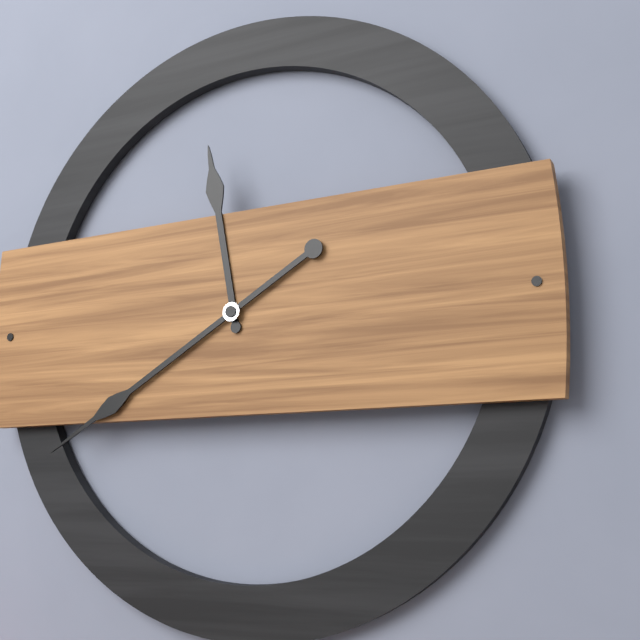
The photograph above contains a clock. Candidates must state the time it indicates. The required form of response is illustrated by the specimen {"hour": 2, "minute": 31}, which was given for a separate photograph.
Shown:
{"hour": 11, "minute": 40}
